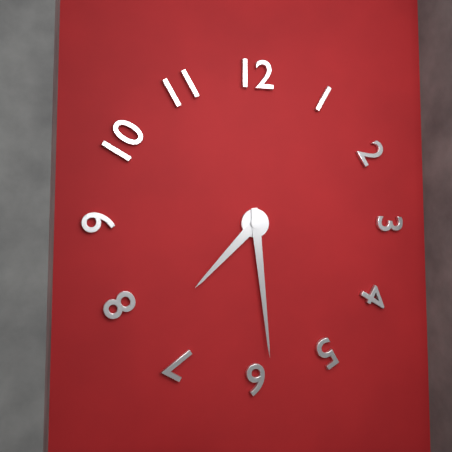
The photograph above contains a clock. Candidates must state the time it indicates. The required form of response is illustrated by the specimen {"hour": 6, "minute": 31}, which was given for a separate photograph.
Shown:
{"hour": 7, "minute": 29}
